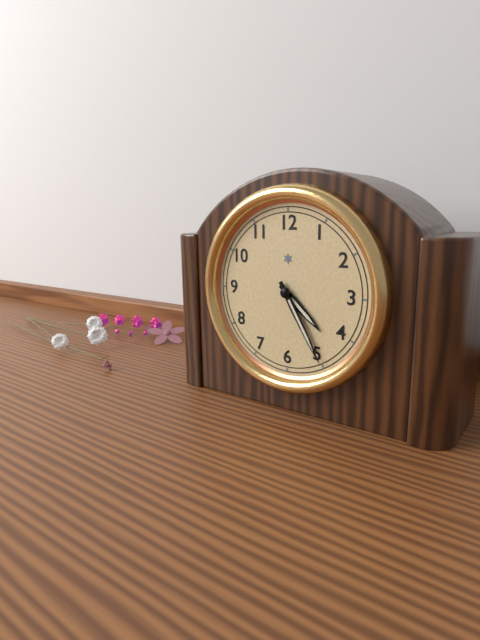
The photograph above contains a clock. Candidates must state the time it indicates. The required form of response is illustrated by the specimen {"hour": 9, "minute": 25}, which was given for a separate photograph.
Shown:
{"hour": 4, "minute": 25}
